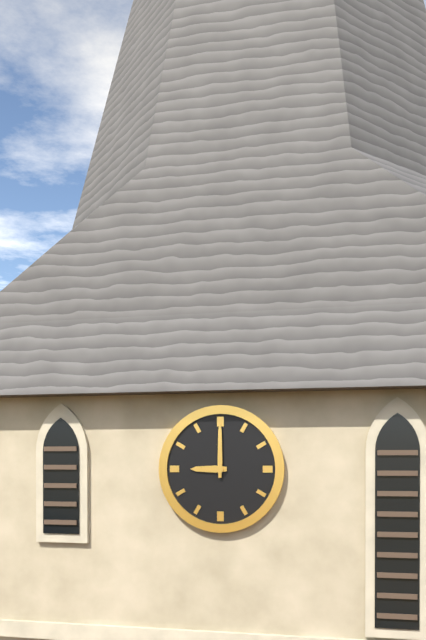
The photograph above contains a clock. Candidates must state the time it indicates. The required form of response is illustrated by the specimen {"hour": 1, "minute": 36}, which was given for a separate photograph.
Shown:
{"hour": 9, "minute": 0}
